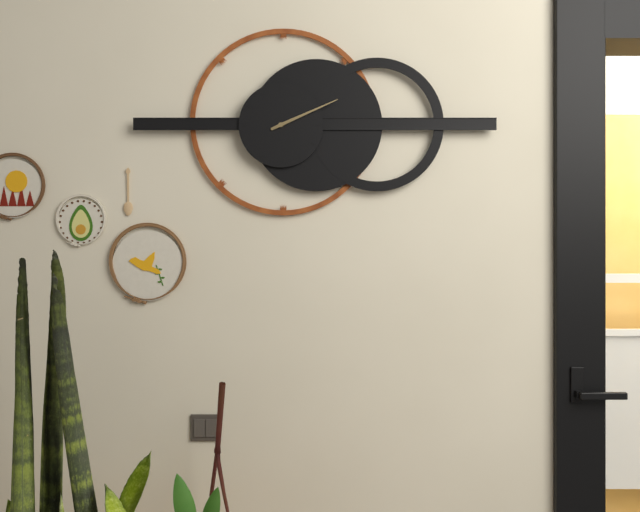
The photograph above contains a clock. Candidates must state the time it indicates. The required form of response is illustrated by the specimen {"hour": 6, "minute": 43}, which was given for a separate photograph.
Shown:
{"hour": 2, "minute": 11}
